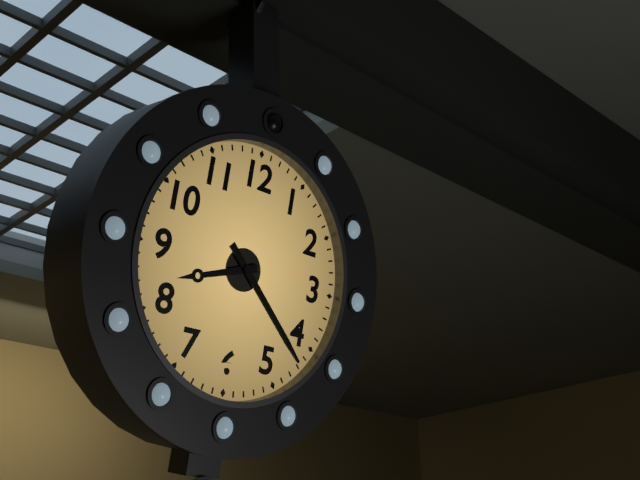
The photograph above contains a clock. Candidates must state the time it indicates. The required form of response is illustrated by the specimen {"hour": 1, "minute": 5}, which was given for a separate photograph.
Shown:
{"hour": 8, "minute": 22}
